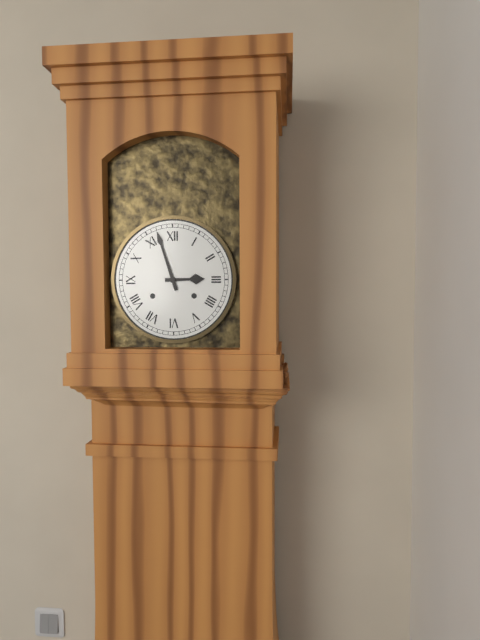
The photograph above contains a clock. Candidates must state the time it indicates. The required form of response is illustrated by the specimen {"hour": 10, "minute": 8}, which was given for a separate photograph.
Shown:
{"hour": 2, "minute": 57}
